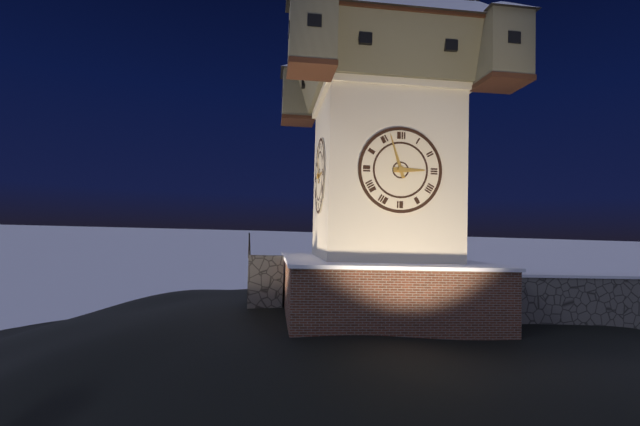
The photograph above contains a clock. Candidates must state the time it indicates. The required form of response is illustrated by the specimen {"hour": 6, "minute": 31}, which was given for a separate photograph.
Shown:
{"hour": 2, "minute": 57}
